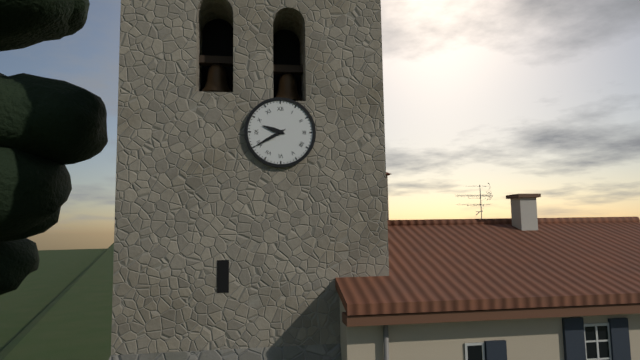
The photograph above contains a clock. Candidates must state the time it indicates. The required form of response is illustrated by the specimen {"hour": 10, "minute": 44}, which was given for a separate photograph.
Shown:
{"hour": 9, "minute": 40}
